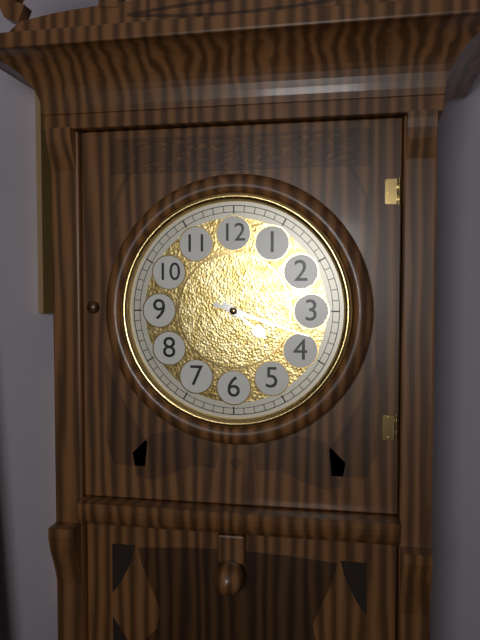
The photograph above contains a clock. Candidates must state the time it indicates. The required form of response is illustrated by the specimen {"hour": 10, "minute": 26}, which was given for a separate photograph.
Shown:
{"hour": 4, "minute": 18}
